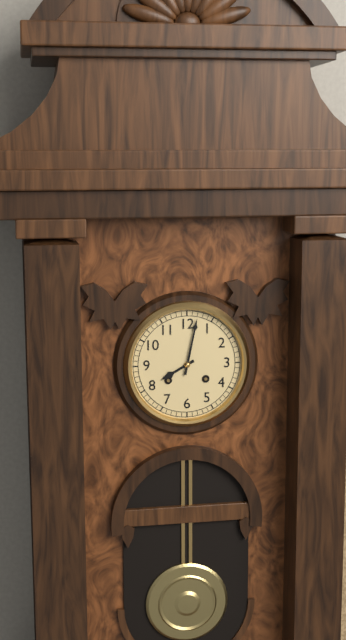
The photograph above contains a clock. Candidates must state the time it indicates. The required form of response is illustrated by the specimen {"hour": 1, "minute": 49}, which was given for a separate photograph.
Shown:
{"hour": 8, "minute": 2}
